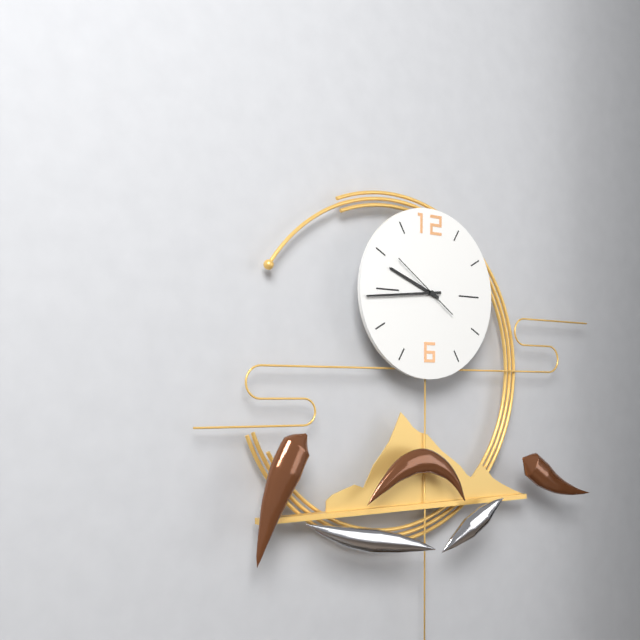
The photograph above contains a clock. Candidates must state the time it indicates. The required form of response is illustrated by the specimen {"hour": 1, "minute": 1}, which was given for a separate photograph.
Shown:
{"hour": 9, "minute": 44}
